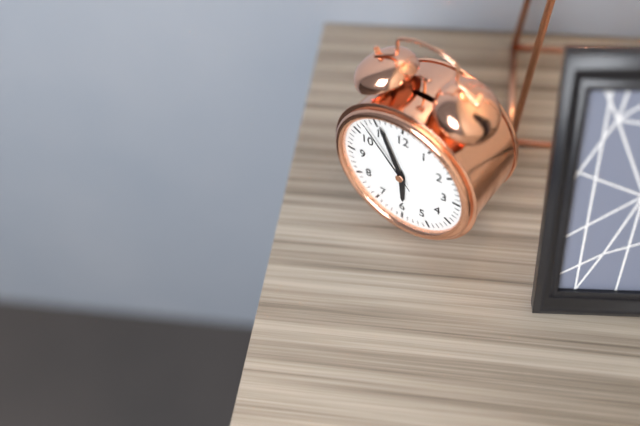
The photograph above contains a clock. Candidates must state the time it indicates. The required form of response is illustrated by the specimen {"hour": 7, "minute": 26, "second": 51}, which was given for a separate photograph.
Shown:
{"hour": 5, "minute": 56, "second": 53}
